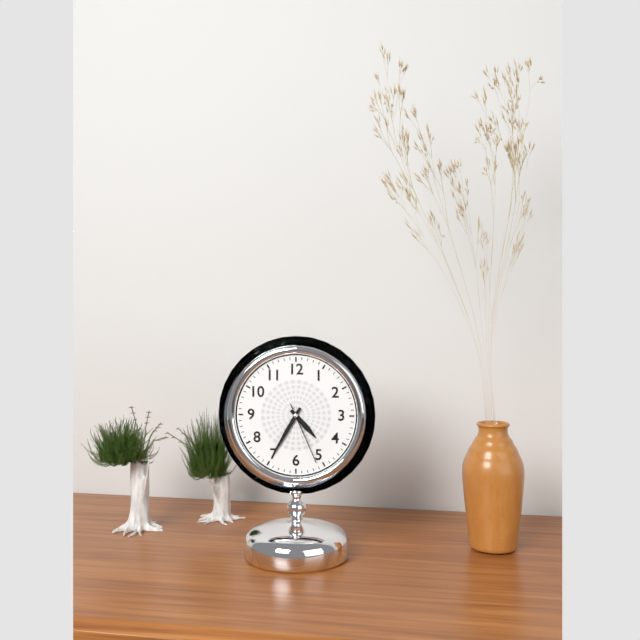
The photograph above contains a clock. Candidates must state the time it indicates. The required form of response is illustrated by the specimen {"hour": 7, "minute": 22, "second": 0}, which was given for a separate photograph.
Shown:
{"hour": 4, "minute": 35, "second": 26}
